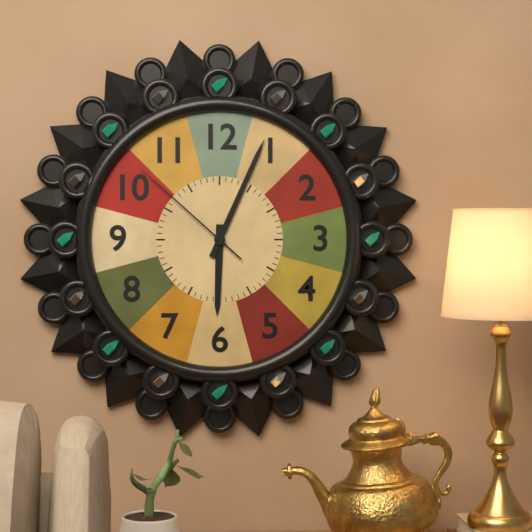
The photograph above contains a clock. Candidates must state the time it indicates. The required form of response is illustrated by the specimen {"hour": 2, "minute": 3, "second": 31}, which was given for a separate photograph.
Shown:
{"hour": 6, "minute": 4, "second": 52}
